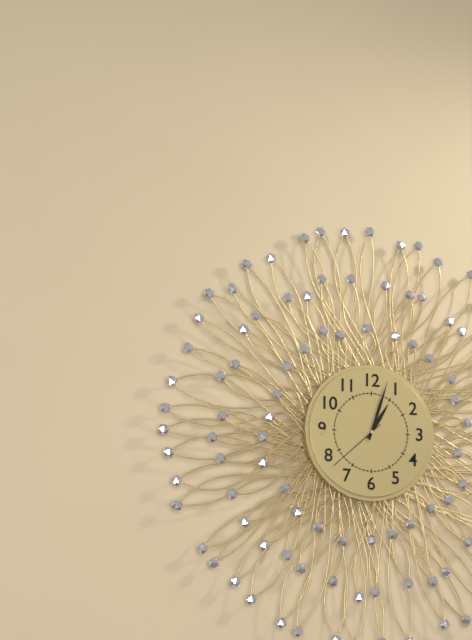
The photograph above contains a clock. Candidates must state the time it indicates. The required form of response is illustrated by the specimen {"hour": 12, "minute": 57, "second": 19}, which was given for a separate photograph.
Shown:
{"hour": 1, "minute": 3, "second": 38}
